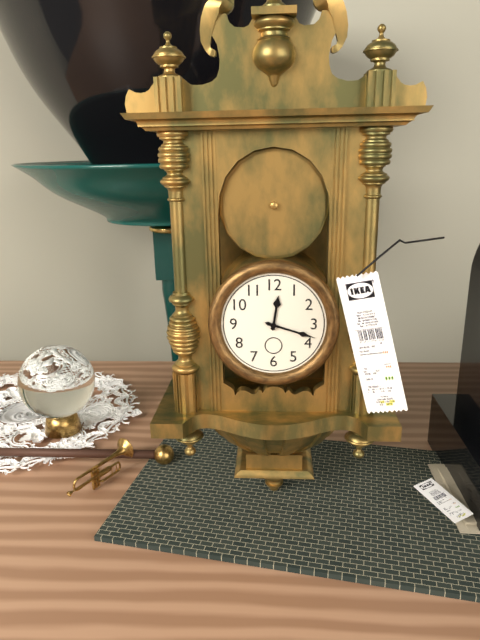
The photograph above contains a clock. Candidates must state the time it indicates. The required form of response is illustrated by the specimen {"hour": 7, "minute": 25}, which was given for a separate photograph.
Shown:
{"hour": 12, "minute": 18}
